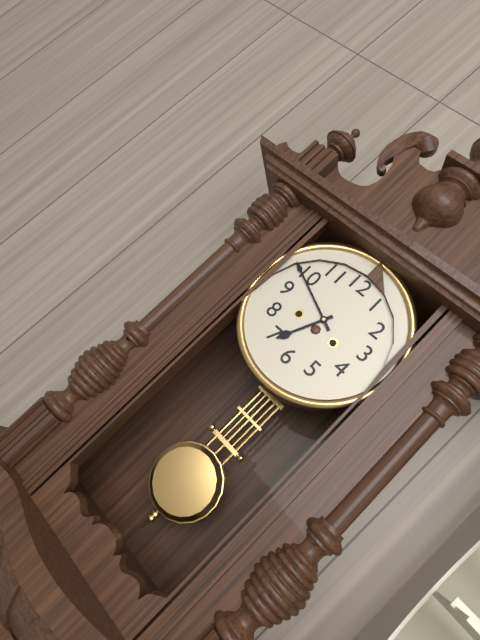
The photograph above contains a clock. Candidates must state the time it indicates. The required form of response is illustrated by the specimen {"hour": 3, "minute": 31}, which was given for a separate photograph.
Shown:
{"hour": 6, "minute": 49}
